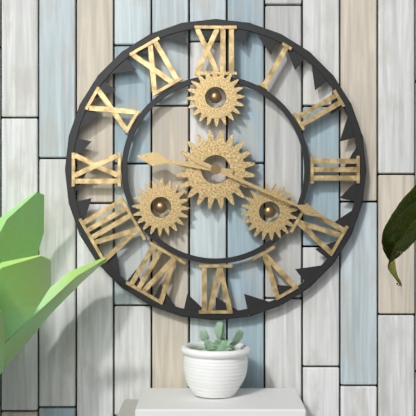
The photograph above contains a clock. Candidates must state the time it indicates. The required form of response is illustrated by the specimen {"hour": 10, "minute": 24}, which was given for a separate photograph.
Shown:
{"hour": 9, "minute": 19}
